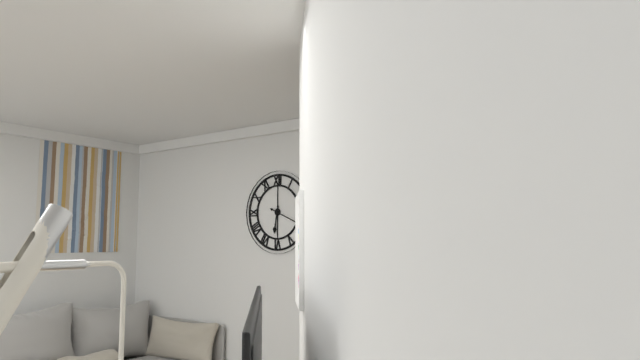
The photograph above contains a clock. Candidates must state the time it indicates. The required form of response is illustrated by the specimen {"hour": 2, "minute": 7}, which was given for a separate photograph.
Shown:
{"hour": 6, "minute": 19}
